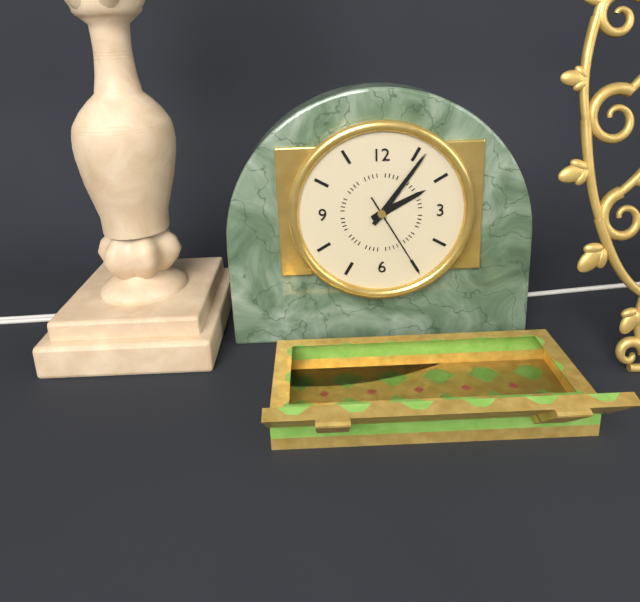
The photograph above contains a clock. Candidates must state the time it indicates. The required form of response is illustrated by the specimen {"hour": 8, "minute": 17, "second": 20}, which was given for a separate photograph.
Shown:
{"hour": 2, "minute": 6, "second": 25}
